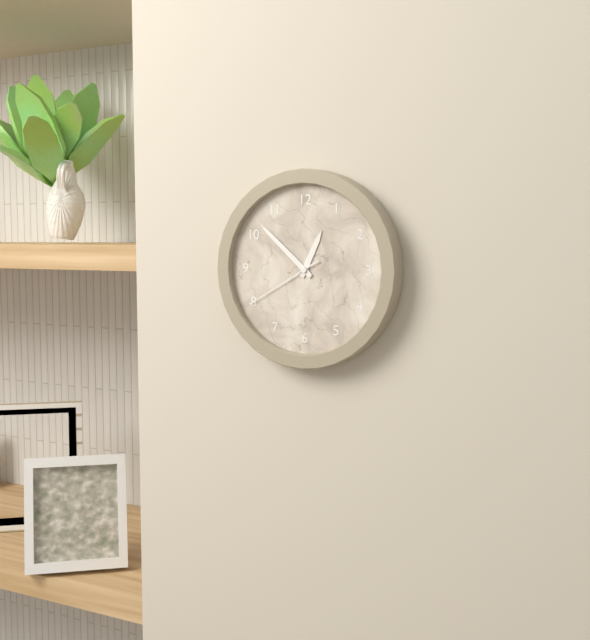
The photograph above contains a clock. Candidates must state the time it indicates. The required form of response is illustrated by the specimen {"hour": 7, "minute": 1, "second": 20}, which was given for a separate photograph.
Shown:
{"hour": 12, "minute": 52, "second": 40}
